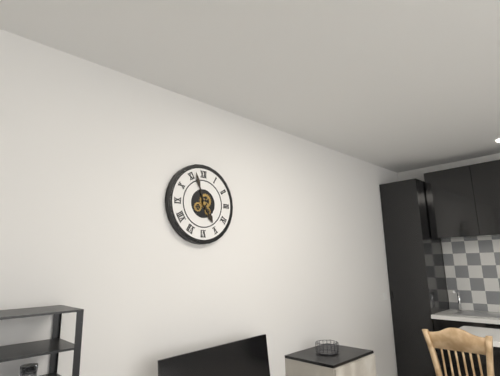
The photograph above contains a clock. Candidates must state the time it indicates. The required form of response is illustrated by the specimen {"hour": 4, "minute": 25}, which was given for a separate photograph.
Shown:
{"hour": 4, "minute": 57}
